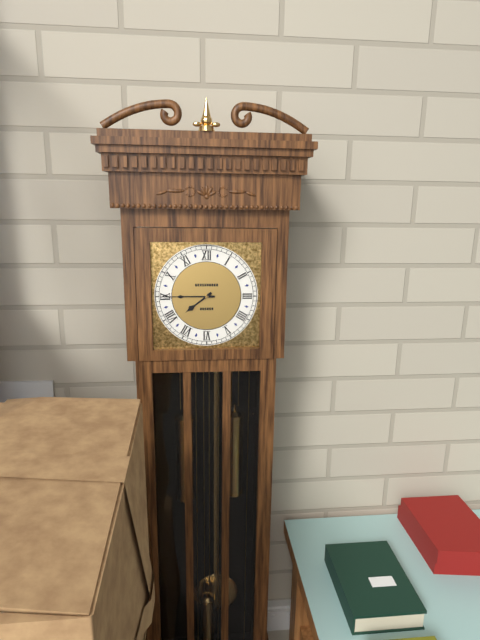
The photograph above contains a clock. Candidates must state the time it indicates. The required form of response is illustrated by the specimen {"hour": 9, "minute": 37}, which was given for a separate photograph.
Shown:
{"hour": 7, "minute": 45}
